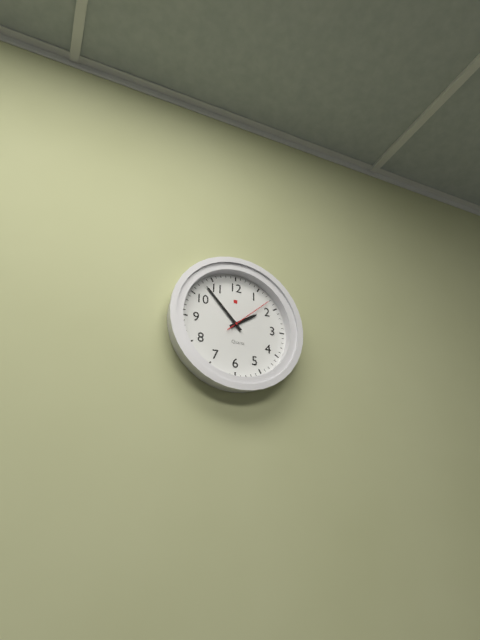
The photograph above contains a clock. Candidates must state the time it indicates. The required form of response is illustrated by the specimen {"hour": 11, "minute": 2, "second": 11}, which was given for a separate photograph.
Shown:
{"hour": 1, "minute": 53, "second": 8}
